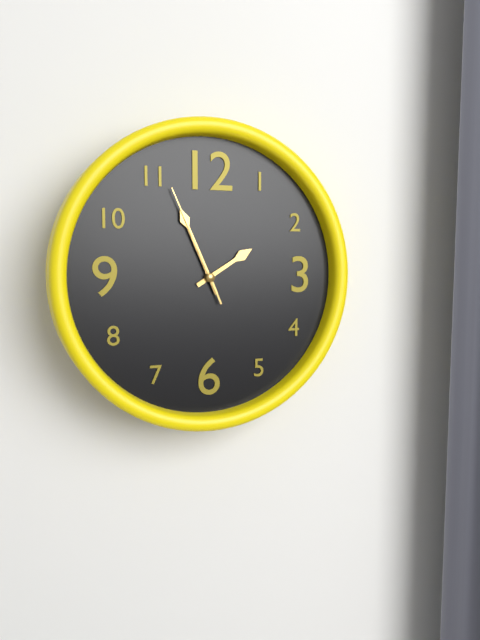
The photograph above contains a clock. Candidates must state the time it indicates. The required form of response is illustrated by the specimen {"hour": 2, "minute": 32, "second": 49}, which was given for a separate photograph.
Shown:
{"hour": 1, "minute": 56, "second": 56}
